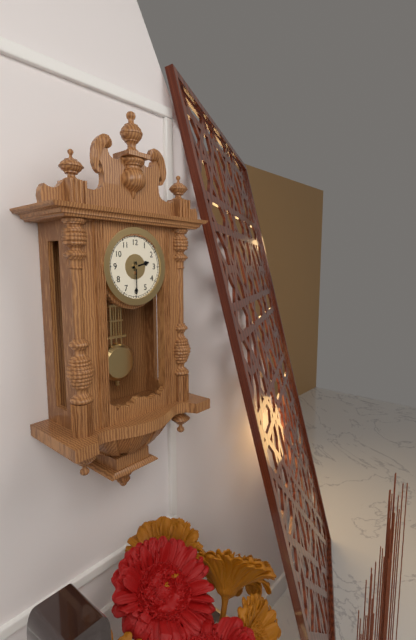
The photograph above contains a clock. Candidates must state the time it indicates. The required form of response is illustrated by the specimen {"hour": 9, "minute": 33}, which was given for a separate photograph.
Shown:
{"hour": 2, "minute": 30}
